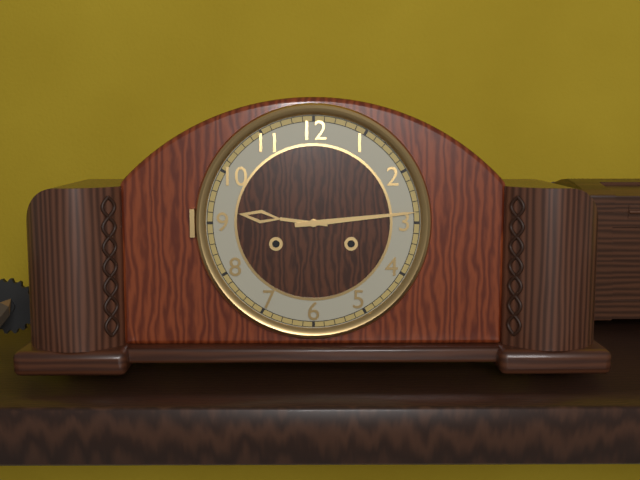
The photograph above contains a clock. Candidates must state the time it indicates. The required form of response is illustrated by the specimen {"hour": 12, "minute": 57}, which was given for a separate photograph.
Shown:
{"hour": 9, "minute": 14}
